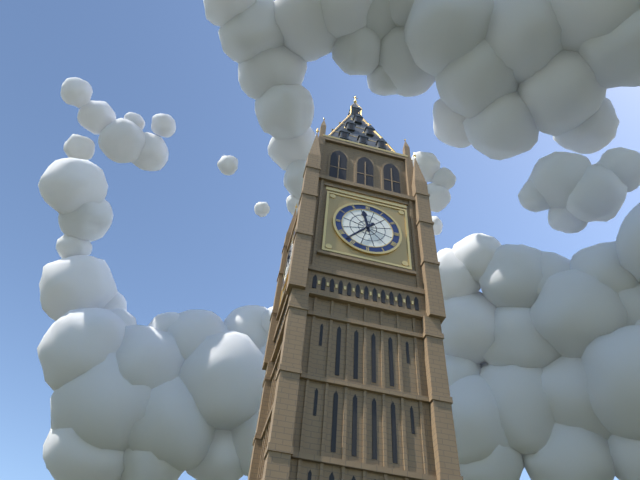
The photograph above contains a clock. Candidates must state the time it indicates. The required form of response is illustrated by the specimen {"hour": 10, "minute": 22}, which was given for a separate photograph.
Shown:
{"hour": 11, "minute": 37}
